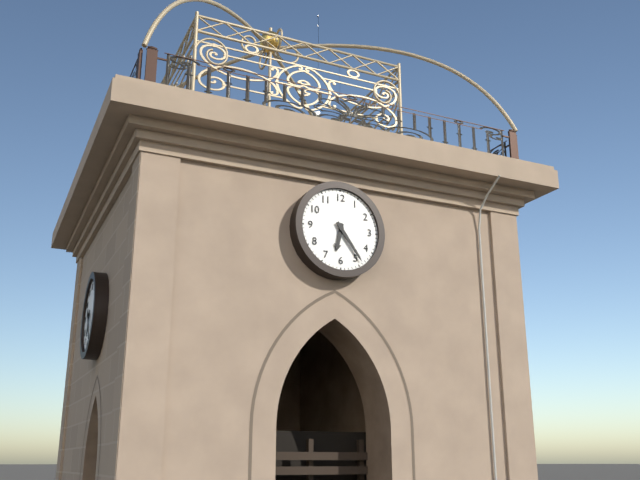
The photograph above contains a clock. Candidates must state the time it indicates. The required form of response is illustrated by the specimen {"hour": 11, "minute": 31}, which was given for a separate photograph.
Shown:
{"hour": 6, "minute": 24}
